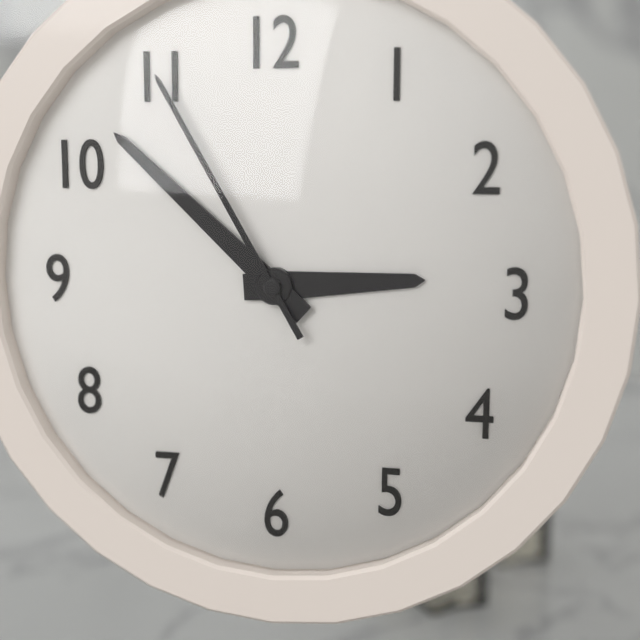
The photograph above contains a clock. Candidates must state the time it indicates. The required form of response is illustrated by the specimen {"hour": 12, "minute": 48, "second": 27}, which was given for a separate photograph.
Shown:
{"hour": 2, "minute": 52, "second": 55}
